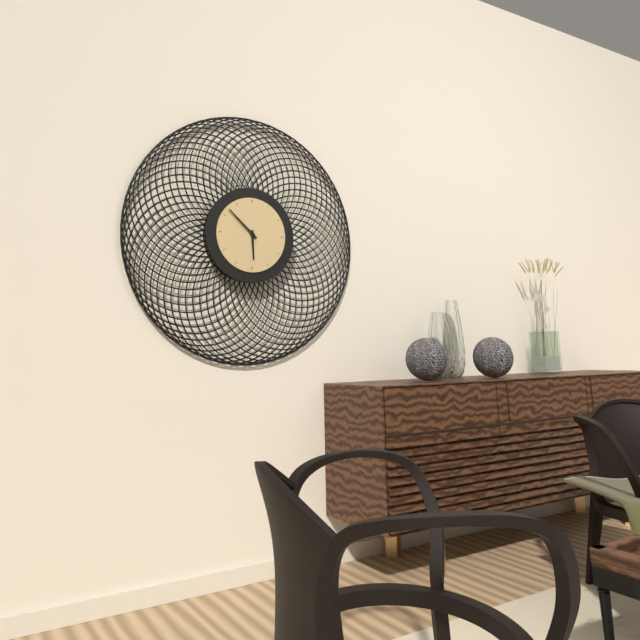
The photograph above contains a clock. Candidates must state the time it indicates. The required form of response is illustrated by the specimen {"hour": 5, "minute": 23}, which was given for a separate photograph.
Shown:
{"hour": 5, "minute": 52}
